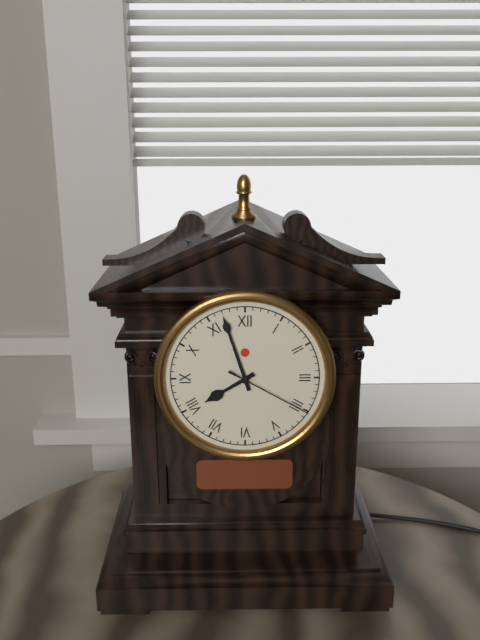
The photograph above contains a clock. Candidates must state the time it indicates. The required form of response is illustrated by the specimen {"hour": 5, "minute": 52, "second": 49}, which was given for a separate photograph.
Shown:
{"hour": 7, "minute": 57, "second": 20}
